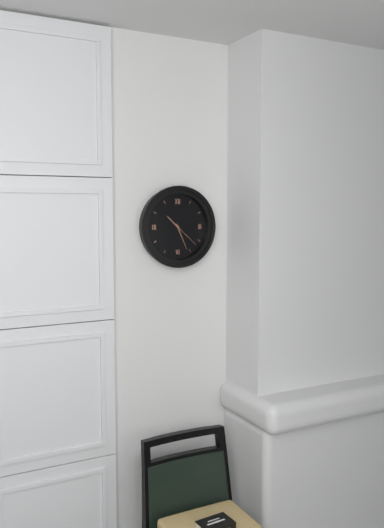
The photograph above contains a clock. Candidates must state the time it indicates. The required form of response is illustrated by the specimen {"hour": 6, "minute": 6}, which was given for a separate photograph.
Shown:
{"hour": 10, "minute": 26}
